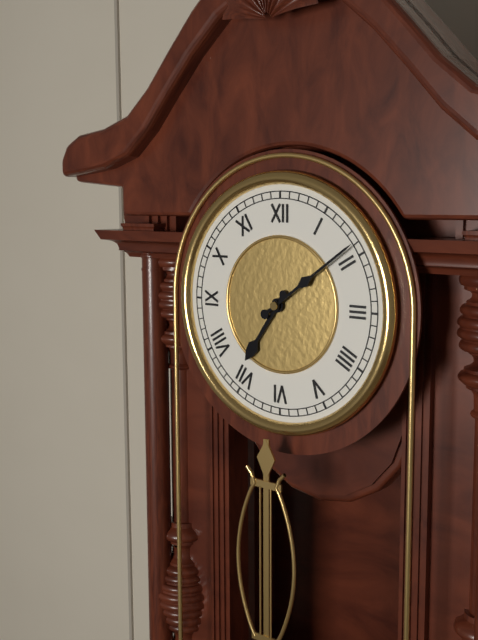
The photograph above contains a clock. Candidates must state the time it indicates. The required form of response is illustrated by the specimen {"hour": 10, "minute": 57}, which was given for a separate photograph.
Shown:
{"hour": 7, "minute": 9}
